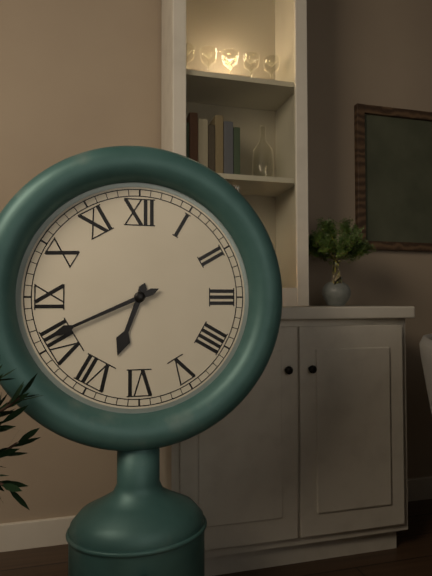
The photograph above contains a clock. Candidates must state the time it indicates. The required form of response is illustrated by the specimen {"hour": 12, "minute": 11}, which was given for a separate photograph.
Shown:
{"hour": 6, "minute": 41}
